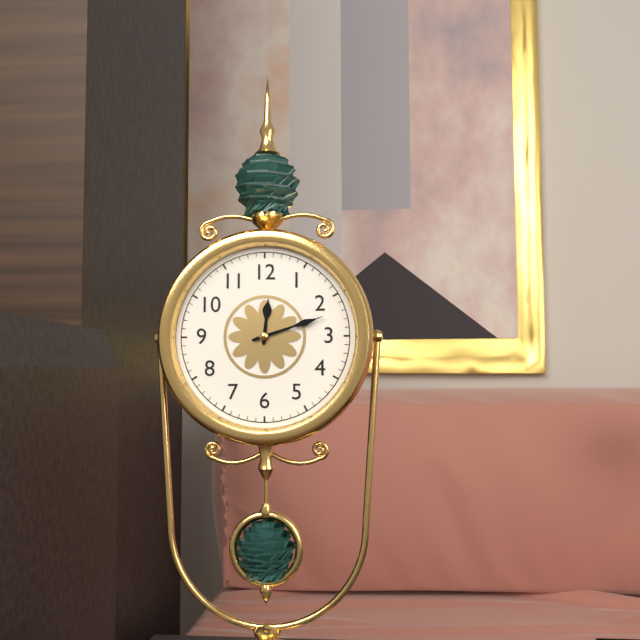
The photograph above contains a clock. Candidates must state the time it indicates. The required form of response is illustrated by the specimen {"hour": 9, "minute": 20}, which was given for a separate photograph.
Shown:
{"hour": 12, "minute": 12}
